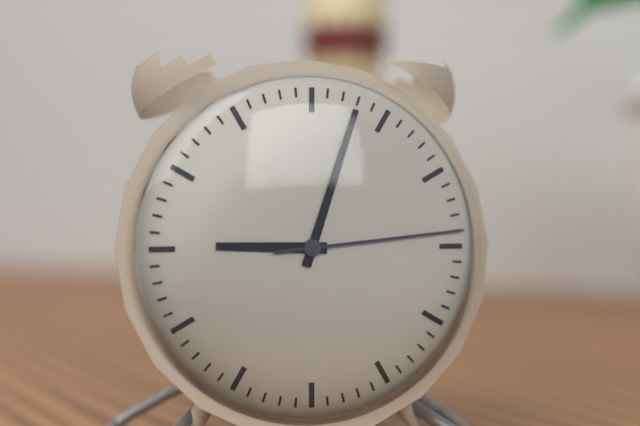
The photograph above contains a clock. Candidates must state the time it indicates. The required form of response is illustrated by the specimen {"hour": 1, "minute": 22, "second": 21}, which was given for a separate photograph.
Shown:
{"hour": 9, "minute": 3, "second": 14}
